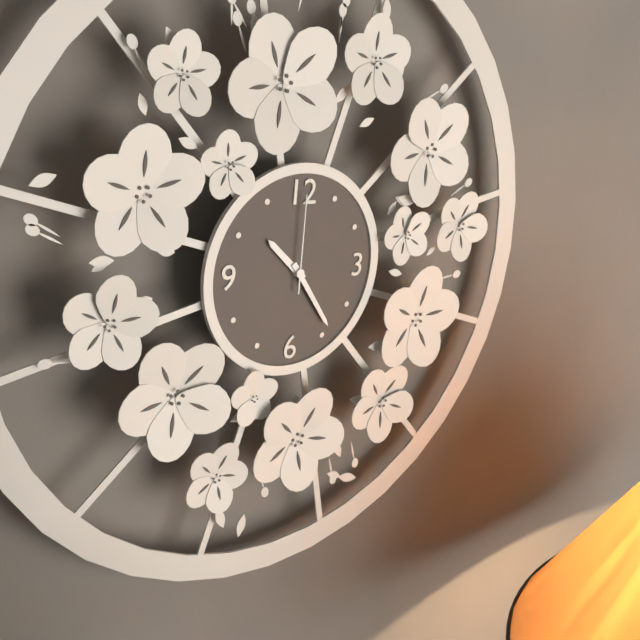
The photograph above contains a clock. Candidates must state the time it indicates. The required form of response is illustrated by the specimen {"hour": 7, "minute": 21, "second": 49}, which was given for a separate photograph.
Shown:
{"hour": 10, "minute": 24, "second": 0}
